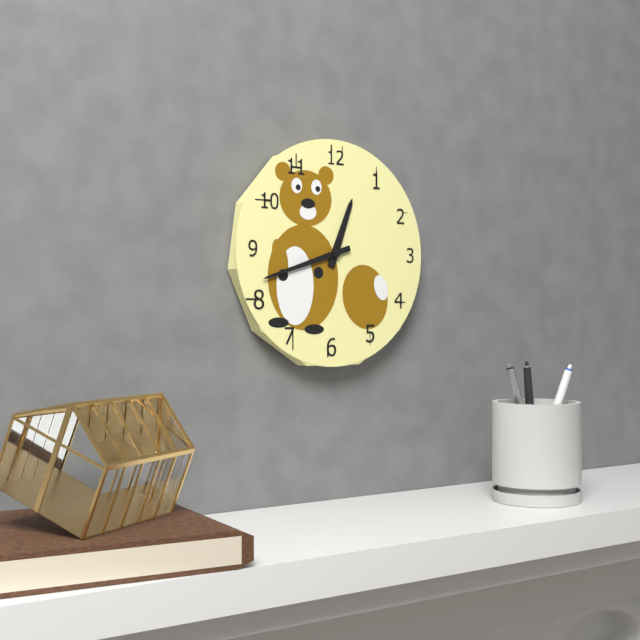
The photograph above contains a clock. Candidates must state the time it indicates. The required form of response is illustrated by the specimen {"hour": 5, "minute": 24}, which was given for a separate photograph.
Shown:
{"hour": 12, "minute": 42}
